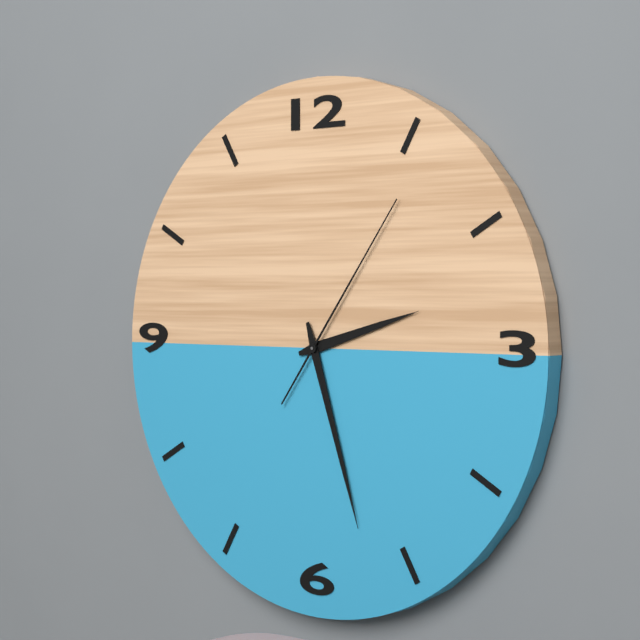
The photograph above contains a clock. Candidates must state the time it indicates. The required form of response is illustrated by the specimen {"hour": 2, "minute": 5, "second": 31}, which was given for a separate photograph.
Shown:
{"hour": 2, "minute": 27, "second": 6}
